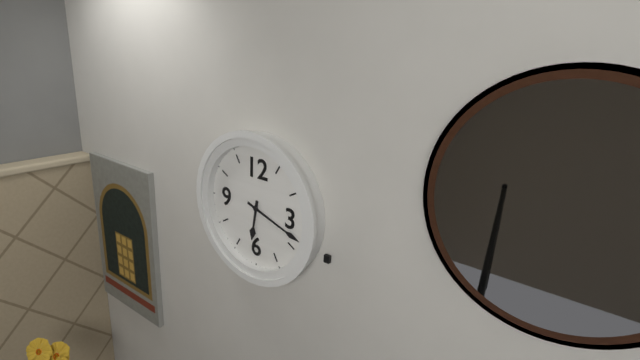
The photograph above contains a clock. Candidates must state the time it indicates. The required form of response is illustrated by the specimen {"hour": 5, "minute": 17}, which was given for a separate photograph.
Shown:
{"hour": 6, "minute": 18}
